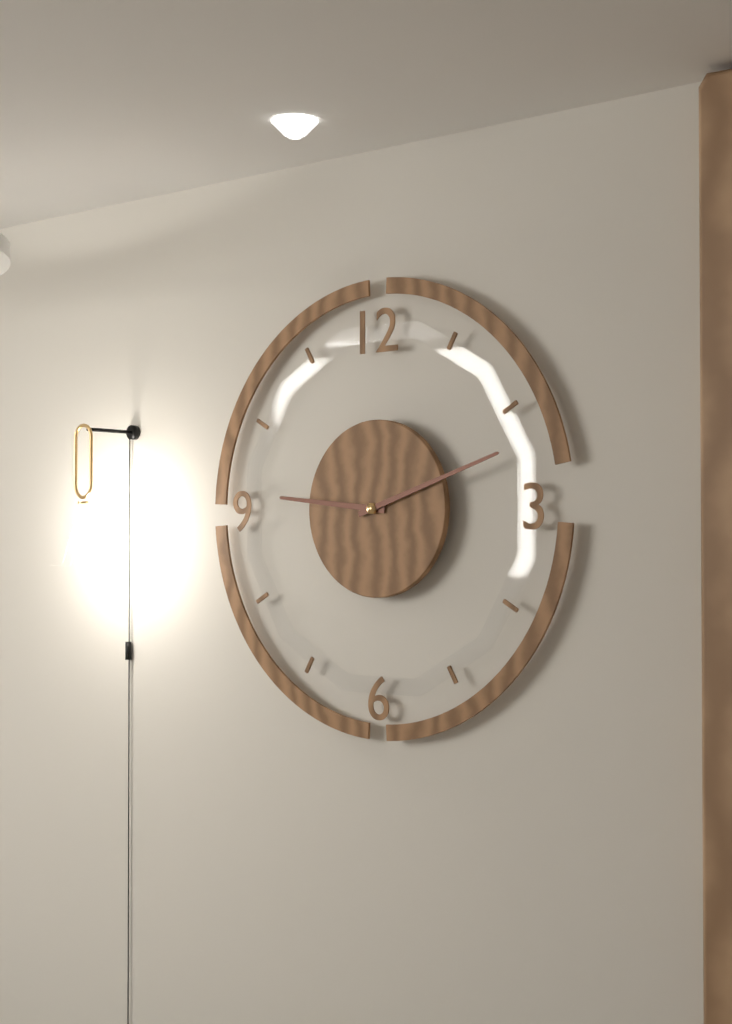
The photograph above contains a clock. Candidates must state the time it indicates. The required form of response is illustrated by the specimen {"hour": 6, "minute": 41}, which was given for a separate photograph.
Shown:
{"hour": 9, "minute": 12}
